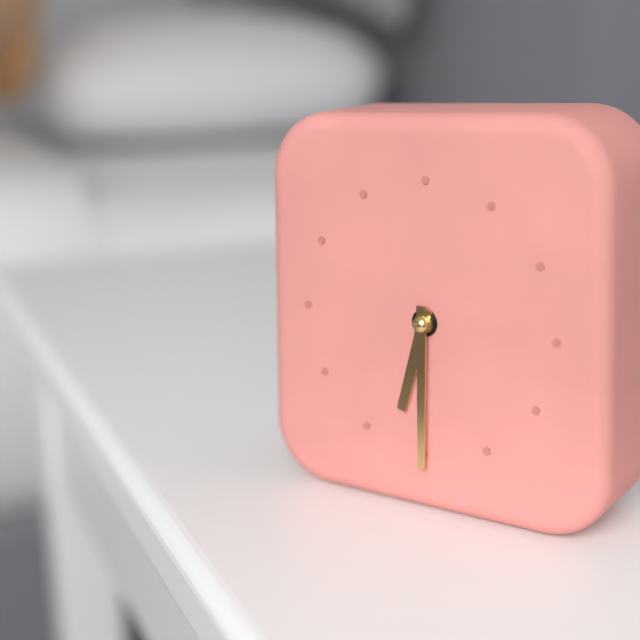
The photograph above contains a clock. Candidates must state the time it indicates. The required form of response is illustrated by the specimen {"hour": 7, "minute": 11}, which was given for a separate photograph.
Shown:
{"hour": 6, "minute": 30}
